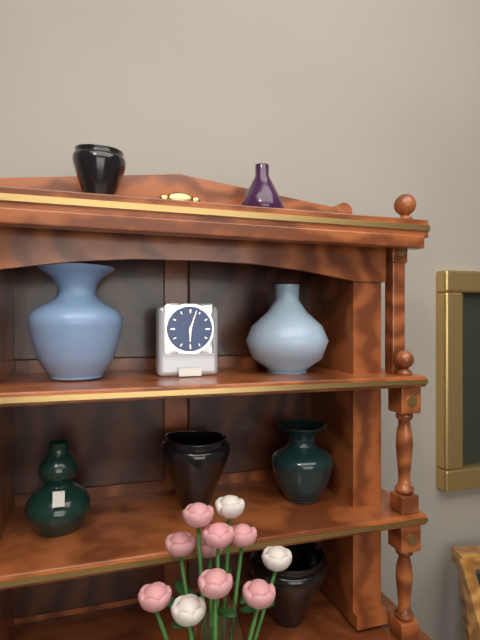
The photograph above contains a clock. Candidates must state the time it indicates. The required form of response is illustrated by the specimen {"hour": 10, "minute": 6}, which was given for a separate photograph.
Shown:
{"hour": 6, "minute": 3}
